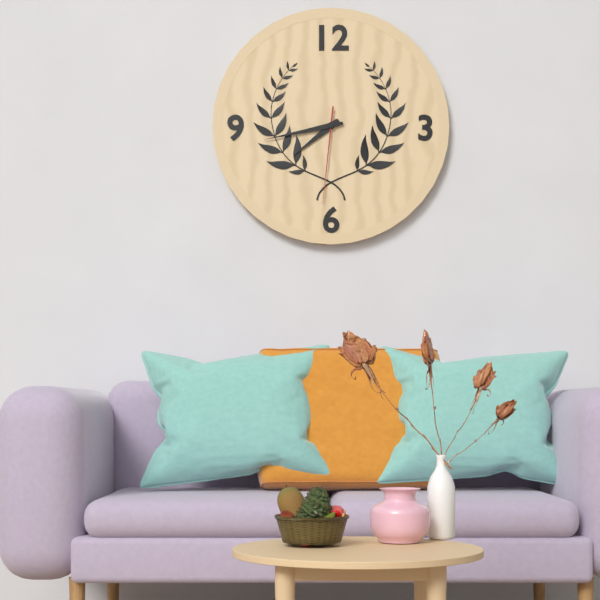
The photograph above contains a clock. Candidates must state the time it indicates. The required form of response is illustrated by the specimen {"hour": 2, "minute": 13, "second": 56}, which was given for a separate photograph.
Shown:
{"hour": 7, "minute": 43, "second": 31}
